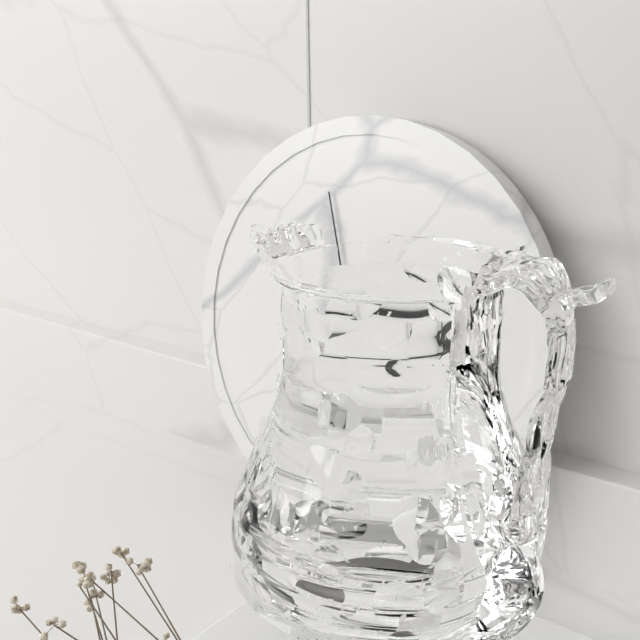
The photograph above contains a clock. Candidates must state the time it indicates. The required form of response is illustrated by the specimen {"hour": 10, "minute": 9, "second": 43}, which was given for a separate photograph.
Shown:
{"hour": 3, "minute": 16, "second": 57}
